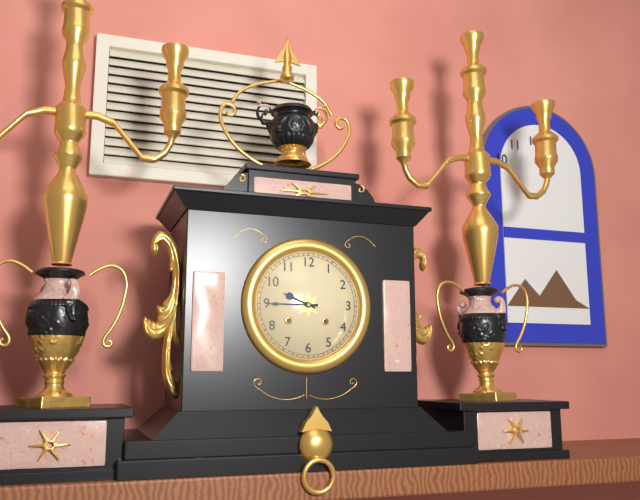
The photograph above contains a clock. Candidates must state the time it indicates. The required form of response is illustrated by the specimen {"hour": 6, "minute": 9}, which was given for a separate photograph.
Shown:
{"hour": 9, "minute": 45}
